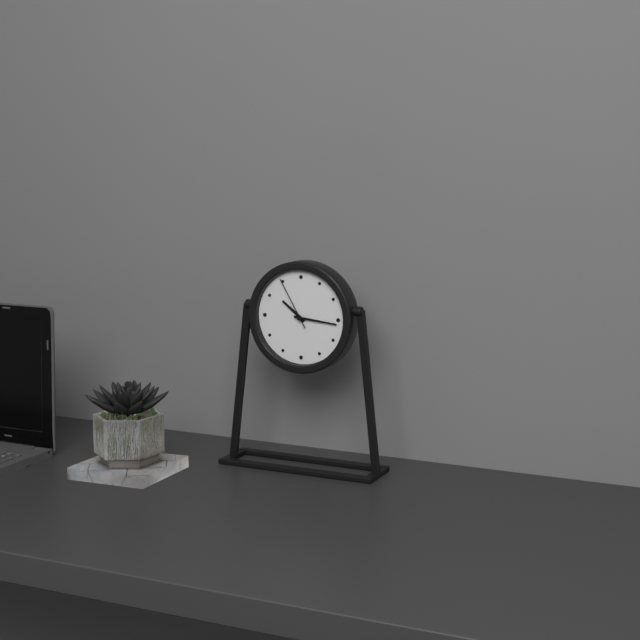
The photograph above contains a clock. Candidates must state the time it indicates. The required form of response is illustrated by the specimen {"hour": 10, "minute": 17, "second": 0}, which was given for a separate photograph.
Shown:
{"hour": 10, "minute": 16, "second": 55}
